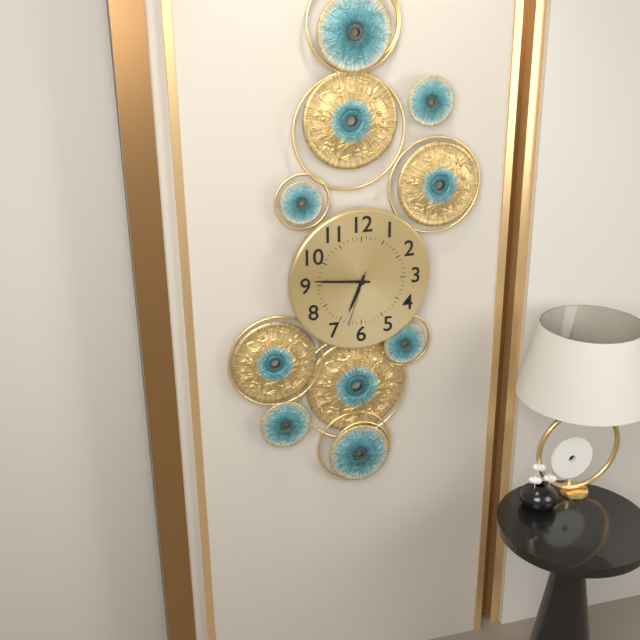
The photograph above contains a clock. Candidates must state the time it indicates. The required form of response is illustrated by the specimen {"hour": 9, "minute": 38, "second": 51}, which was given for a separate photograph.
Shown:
{"hour": 6, "minute": 46, "second": 33}
